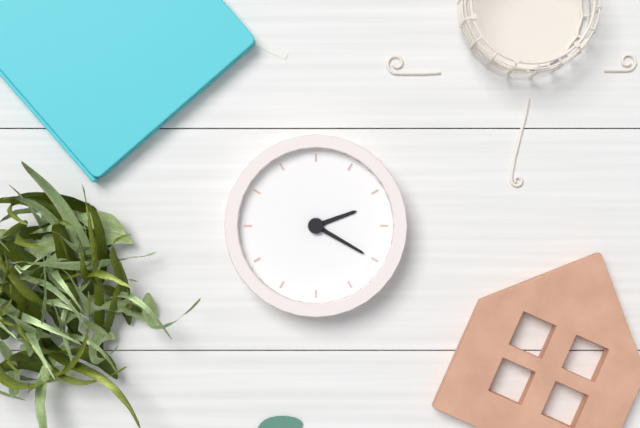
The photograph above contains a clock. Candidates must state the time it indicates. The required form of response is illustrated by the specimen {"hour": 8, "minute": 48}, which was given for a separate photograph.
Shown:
{"hour": 2, "minute": 20}
